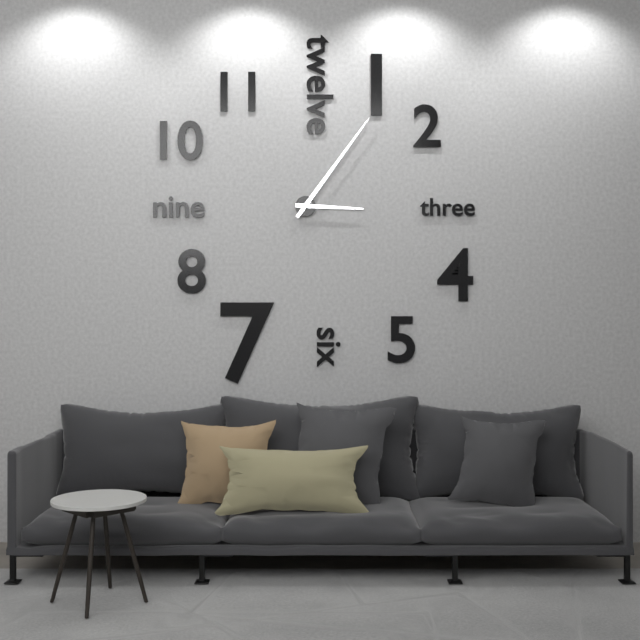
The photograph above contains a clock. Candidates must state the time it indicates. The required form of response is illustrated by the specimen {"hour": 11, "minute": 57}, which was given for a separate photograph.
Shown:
{"hour": 3, "minute": 6}
